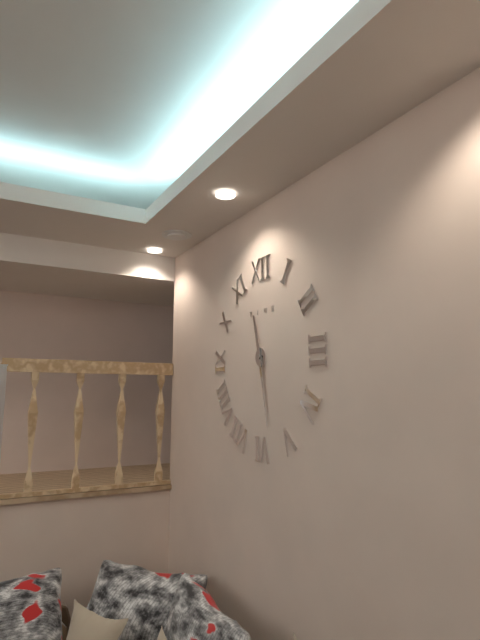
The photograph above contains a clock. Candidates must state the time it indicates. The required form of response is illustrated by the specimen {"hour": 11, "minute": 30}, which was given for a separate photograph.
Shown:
{"hour": 11, "minute": 28}
